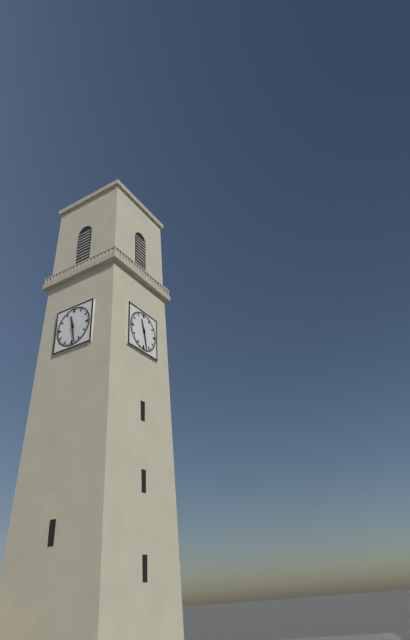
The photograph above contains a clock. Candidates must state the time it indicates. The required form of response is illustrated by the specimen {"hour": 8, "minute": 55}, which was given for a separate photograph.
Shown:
{"hour": 11, "minute": 28}
